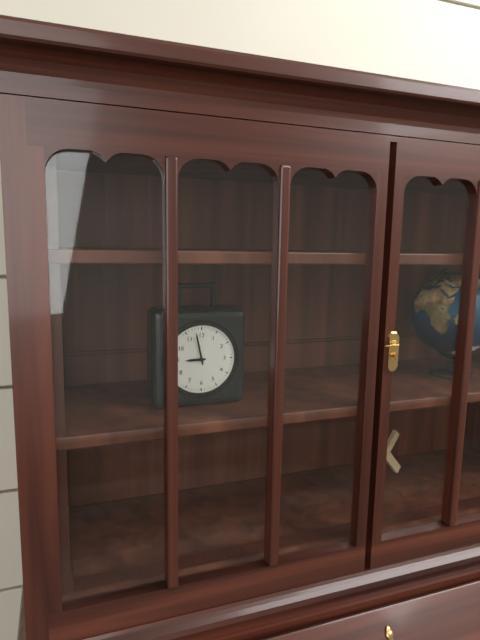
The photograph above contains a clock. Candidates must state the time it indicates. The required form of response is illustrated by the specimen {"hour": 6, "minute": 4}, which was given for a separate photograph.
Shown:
{"hour": 8, "minute": 58}
